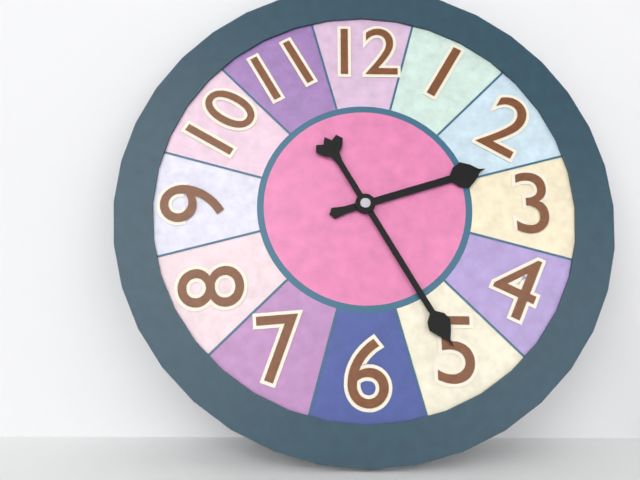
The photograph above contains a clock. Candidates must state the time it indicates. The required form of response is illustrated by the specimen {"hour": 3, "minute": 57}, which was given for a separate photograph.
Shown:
{"hour": 2, "minute": 25}
